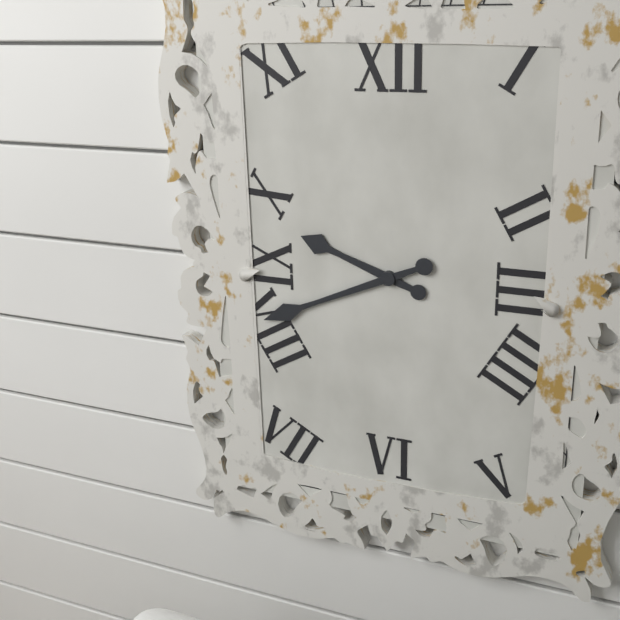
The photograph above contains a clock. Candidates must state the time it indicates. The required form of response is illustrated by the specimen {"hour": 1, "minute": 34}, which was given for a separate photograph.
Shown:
{"hour": 9, "minute": 41}
